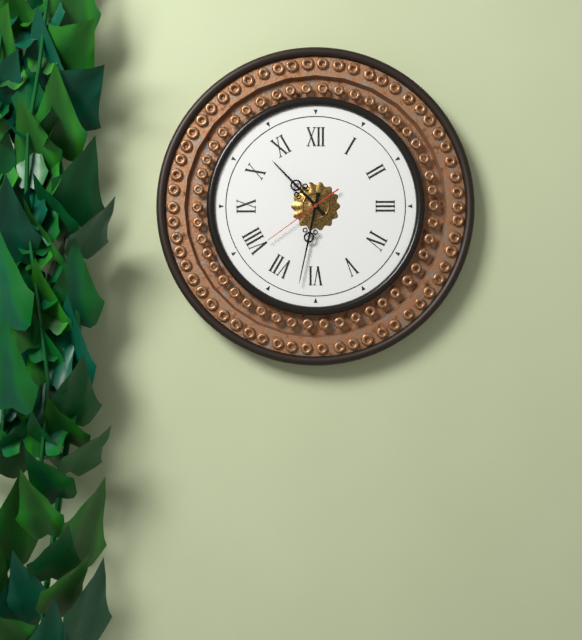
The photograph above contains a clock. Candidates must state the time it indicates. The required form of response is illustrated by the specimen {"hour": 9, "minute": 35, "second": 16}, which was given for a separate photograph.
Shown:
{"hour": 10, "minute": 32, "second": 39}
